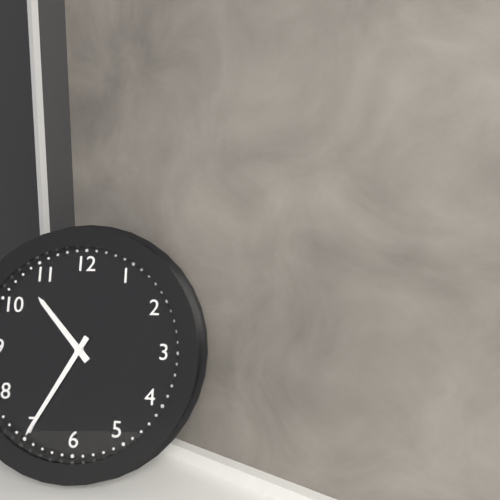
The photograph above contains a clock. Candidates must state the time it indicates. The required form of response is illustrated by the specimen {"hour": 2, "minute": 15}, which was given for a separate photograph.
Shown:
{"hour": 10, "minute": 35}
